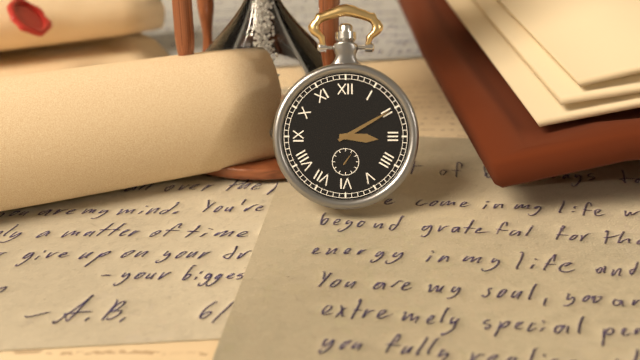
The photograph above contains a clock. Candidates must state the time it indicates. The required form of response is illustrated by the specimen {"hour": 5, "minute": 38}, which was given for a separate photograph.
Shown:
{"hour": 3, "minute": 10}
